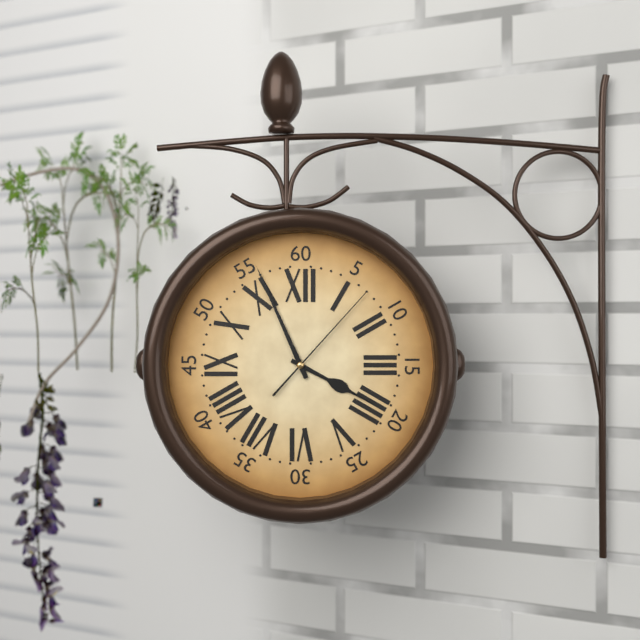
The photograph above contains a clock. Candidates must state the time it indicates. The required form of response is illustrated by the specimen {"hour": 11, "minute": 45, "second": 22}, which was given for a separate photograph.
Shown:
{"hour": 3, "minute": 56, "second": 7}
